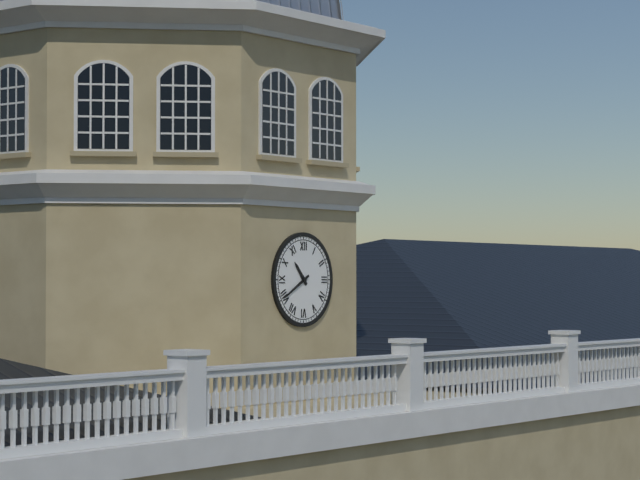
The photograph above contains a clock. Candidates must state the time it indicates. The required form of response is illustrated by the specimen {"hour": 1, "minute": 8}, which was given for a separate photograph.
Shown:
{"hour": 10, "minute": 40}
